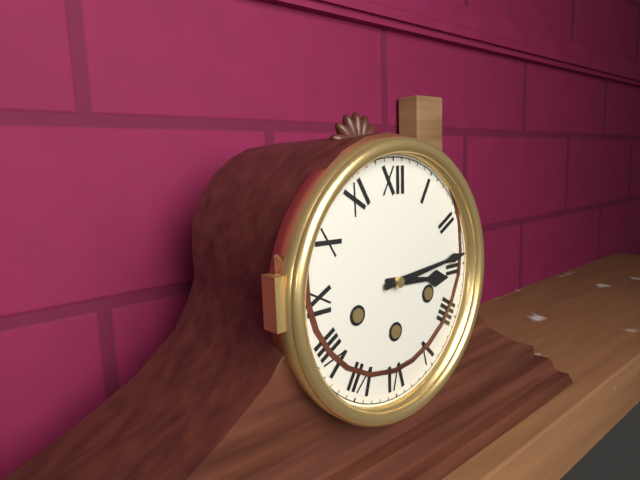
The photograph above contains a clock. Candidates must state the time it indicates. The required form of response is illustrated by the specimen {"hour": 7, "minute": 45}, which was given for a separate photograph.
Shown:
{"hour": 3, "minute": 14}
